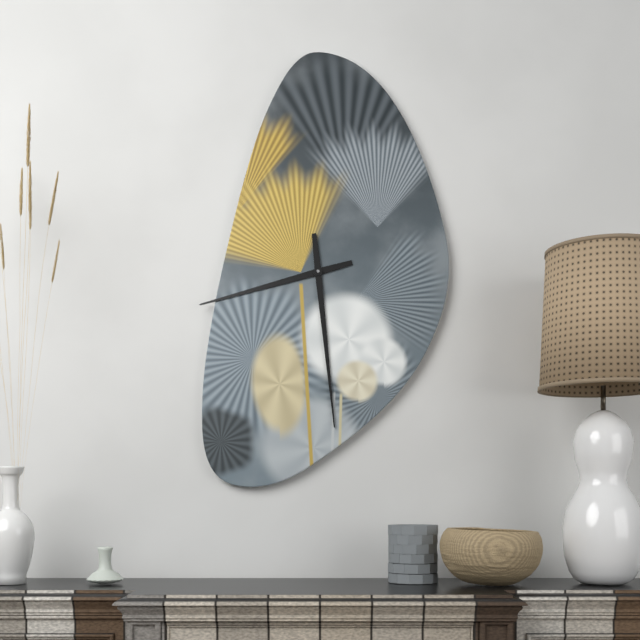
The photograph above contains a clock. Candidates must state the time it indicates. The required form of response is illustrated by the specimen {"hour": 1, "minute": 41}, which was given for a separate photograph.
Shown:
{"hour": 8, "minute": 29}
